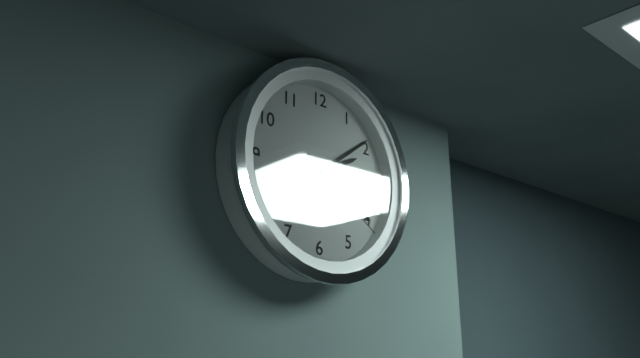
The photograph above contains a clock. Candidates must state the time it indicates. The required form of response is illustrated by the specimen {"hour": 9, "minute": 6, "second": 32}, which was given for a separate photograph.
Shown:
{"hour": 2, "minute": 9, "second": 21}
